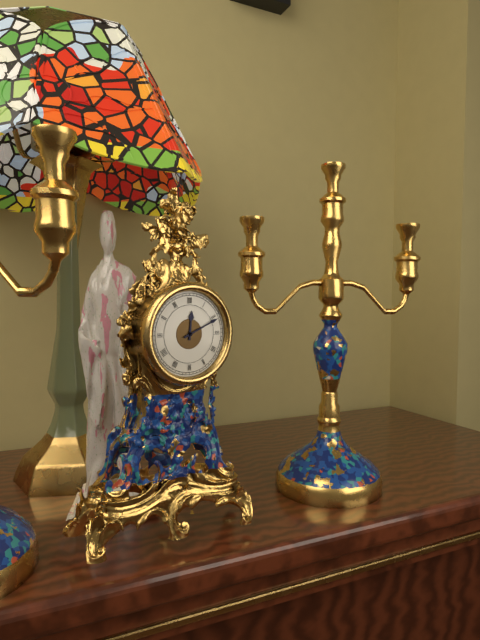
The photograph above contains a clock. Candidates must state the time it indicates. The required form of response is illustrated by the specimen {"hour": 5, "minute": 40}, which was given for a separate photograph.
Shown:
{"hour": 12, "minute": 11}
